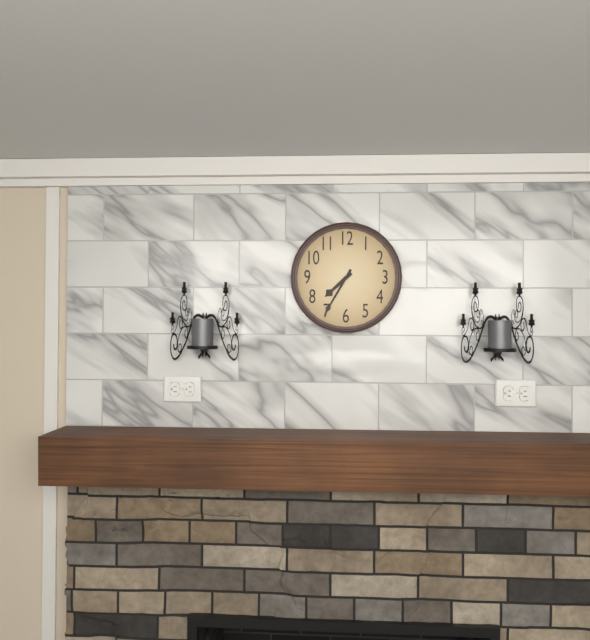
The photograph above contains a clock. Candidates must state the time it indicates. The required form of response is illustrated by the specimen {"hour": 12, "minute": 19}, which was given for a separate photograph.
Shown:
{"hour": 7, "minute": 35}
